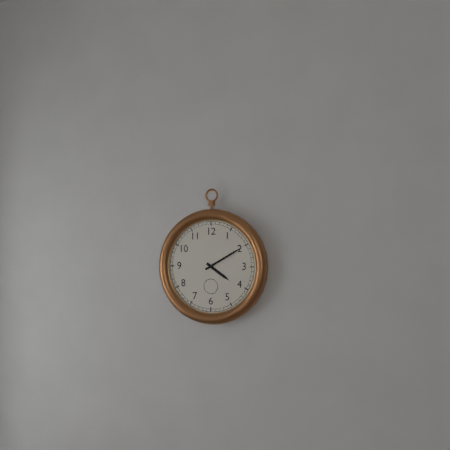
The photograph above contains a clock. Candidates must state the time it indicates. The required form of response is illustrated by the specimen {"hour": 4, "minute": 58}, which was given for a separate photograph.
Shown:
{"hour": 4, "minute": 10}
